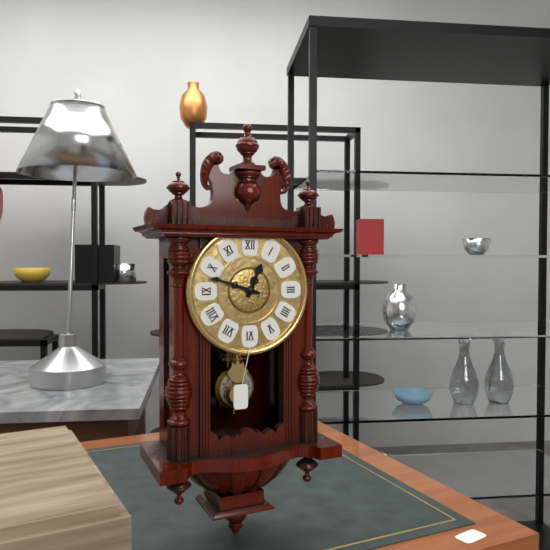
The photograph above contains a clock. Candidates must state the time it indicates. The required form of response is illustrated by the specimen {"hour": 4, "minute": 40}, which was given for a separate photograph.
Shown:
{"hour": 12, "minute": 48}
